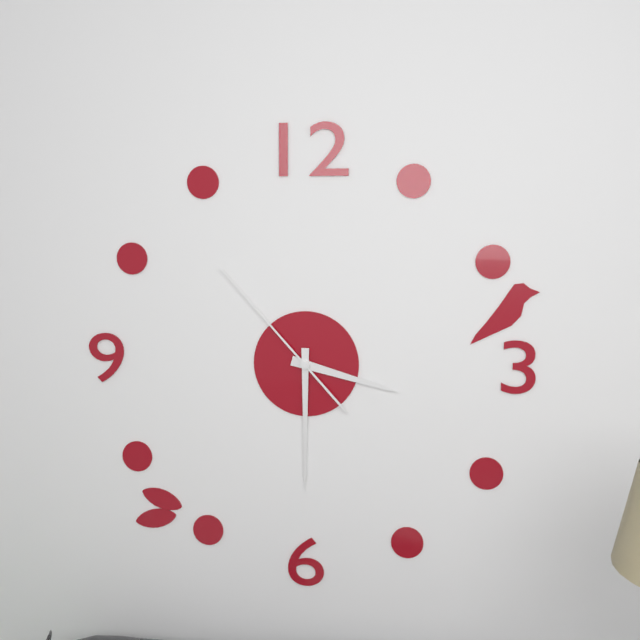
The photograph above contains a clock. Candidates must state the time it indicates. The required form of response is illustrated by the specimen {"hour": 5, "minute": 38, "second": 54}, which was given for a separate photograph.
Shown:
{"hour": 3, "minute": 30, "second": 53}
